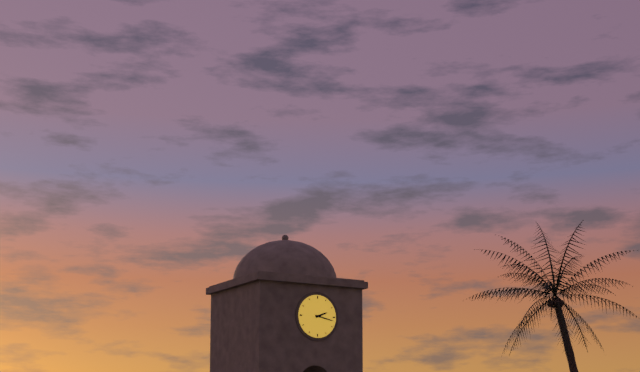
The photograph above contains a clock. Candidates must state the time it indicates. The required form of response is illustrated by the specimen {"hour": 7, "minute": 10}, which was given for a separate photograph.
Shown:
{"hour": 2, "minute": 17}
